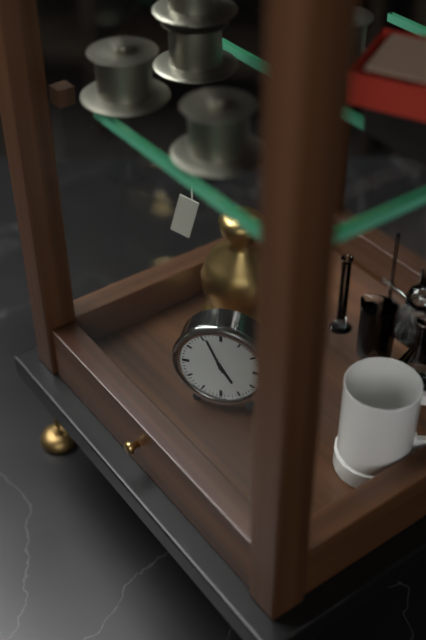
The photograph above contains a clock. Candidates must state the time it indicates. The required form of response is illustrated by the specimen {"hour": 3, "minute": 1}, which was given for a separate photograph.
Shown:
{"hour": 4, "minute": 56}
